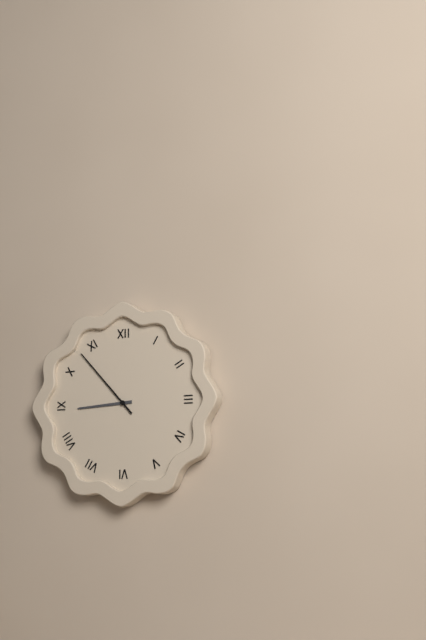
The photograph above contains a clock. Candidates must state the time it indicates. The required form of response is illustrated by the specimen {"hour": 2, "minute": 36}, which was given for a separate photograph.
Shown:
{"hour": 8, "minute": 53}
